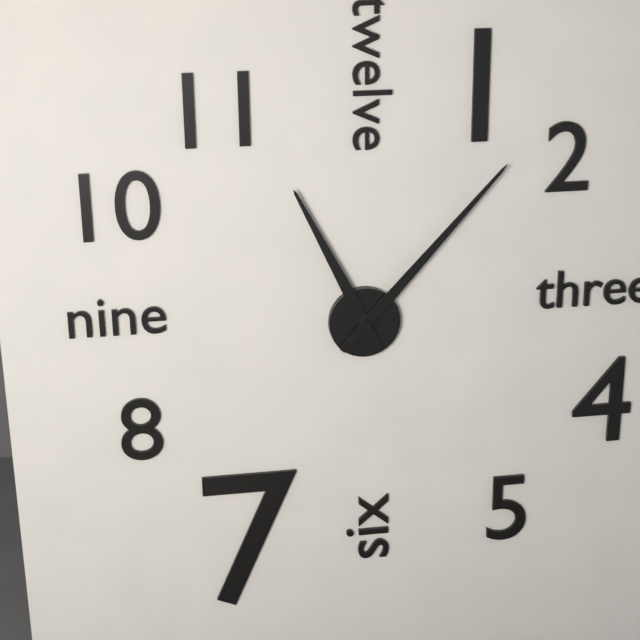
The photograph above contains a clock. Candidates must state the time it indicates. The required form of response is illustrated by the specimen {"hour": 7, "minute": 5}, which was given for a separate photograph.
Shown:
{"hour": 11, "minute": 7}
